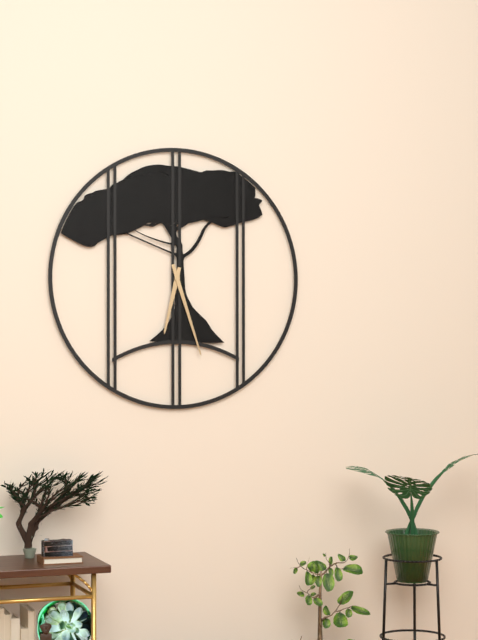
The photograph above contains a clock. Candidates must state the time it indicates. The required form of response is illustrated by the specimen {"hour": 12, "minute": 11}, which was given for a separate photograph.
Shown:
{"hour": 6, "minute": 27}
